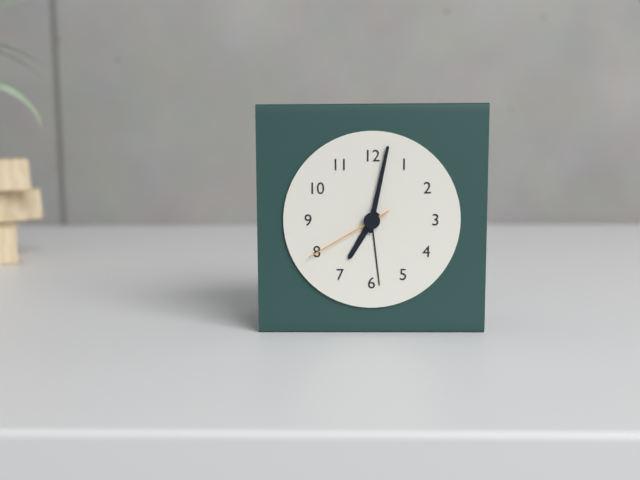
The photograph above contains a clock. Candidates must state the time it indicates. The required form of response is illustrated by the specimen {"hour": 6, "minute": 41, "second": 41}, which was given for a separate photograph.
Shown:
{"hour": 7, "minute": 2, "second": 40}
